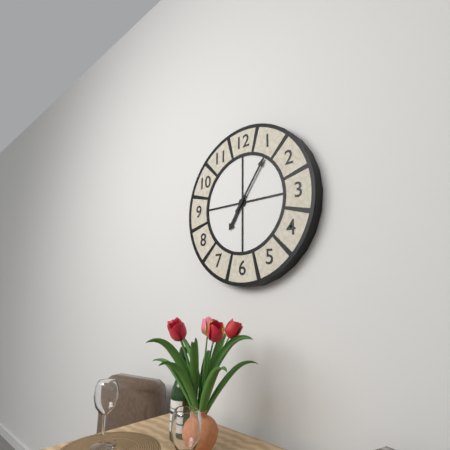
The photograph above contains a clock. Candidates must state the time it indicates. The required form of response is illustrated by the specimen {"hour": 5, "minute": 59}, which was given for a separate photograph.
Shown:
{"hour": 7, "minute": 6}
